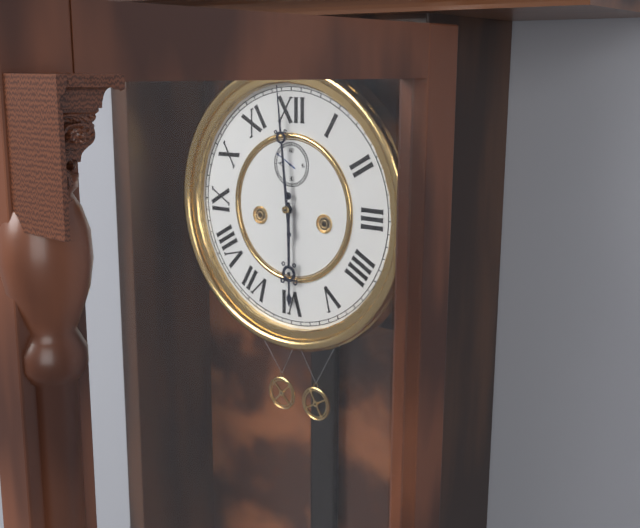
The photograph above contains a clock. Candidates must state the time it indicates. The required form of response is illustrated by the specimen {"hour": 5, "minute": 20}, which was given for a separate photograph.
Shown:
{"hour": 5, "minute": 59}
